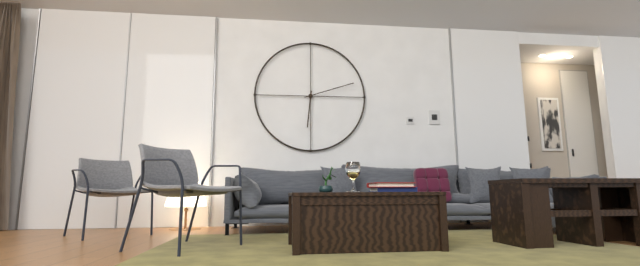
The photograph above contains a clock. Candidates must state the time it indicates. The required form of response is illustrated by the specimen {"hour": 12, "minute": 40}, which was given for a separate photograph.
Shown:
{"hour": 6, "minute": 12}
